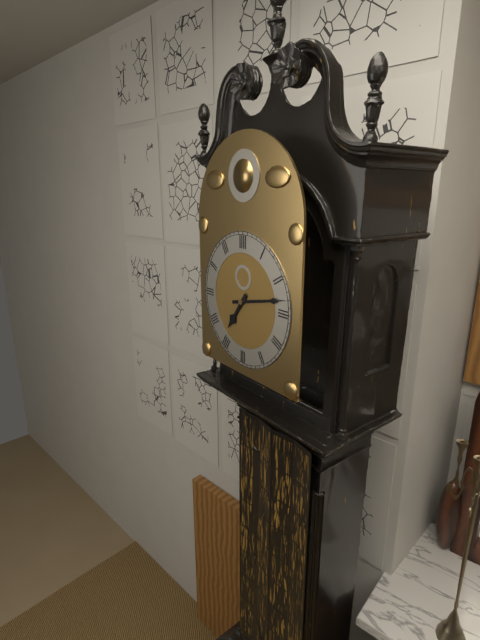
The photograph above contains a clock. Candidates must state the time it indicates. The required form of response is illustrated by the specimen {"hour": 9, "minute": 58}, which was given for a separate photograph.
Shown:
{"hour": 7, "minute": 13}
